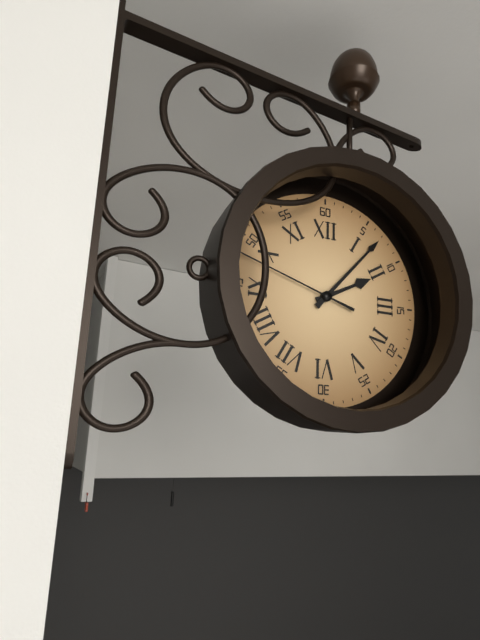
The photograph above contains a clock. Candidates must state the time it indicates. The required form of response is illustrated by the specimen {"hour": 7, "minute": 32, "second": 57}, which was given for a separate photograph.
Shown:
{"hour": 2, "minute": 7, "second": 48}
